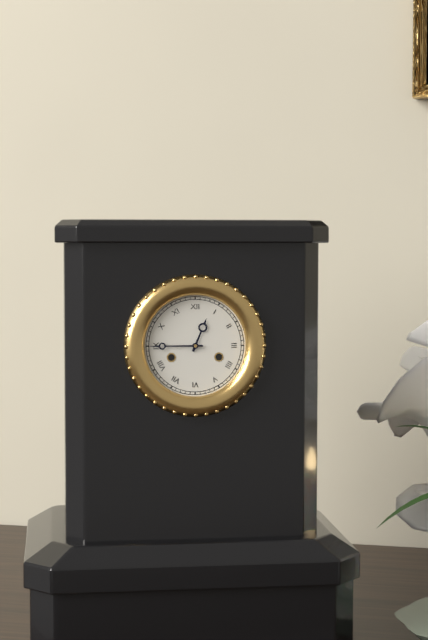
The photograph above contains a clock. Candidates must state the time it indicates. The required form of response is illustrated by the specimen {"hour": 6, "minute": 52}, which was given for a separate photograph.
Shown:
{"hour": 12, "minute": 45}
